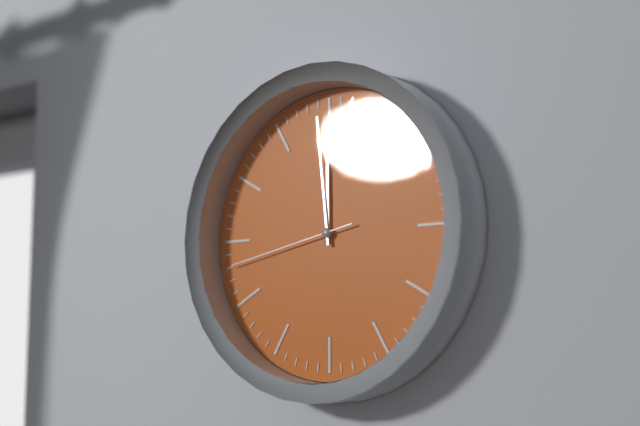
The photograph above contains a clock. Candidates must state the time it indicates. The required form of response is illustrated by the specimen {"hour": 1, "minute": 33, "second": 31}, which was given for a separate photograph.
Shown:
{"hour": 11, "minute": 59, "second": 43}
